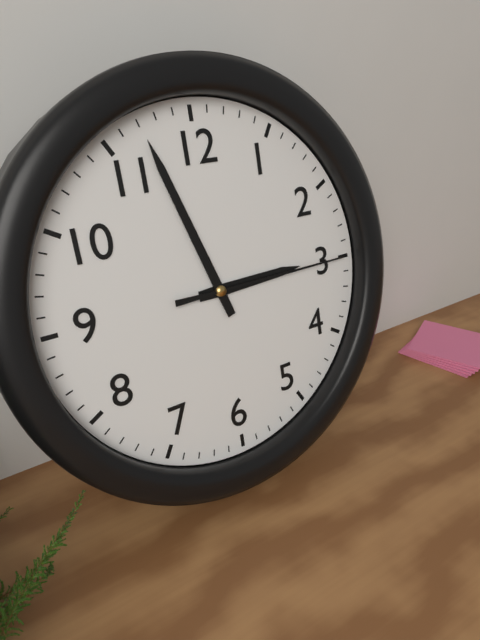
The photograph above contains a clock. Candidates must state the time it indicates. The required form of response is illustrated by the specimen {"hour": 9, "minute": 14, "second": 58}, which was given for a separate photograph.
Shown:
{"hour": 2, "minute": 57, "second": 15}
